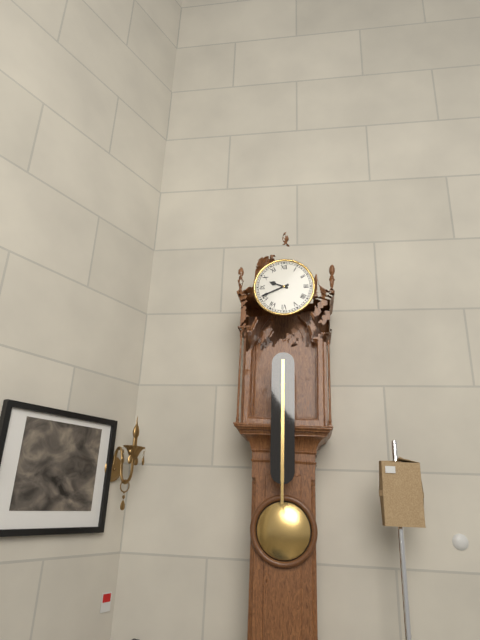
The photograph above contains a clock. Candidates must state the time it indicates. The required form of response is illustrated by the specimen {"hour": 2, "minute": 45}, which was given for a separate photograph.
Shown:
{"hour": 9, "minute": 41}
